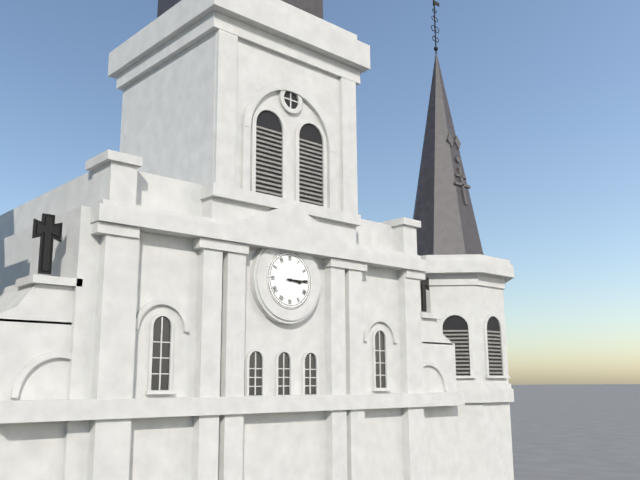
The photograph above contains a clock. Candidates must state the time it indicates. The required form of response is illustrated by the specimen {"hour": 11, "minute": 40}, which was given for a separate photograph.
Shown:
{"hour": 3, "minute": 15}
